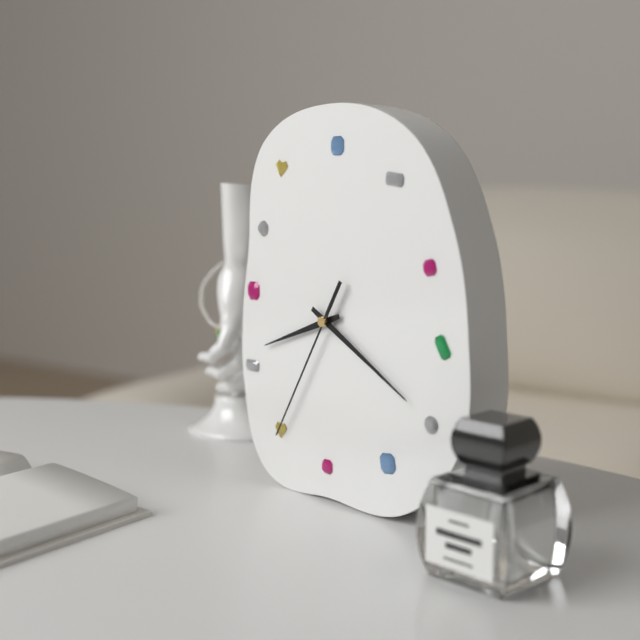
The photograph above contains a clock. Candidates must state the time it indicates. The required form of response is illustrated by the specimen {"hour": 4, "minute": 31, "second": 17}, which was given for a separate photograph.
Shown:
{"hour": 8, "minute": 20, "second": 35}
